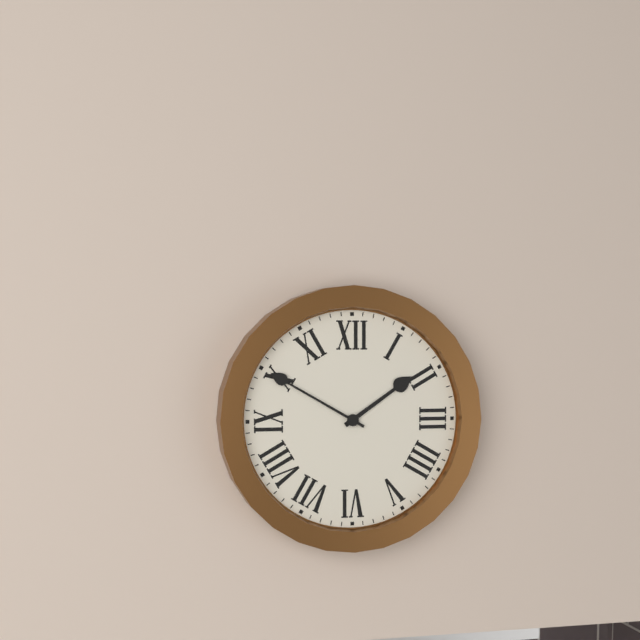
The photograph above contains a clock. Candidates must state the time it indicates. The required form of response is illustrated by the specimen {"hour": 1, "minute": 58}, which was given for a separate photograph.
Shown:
{"hour": 1, "minute": 50}
